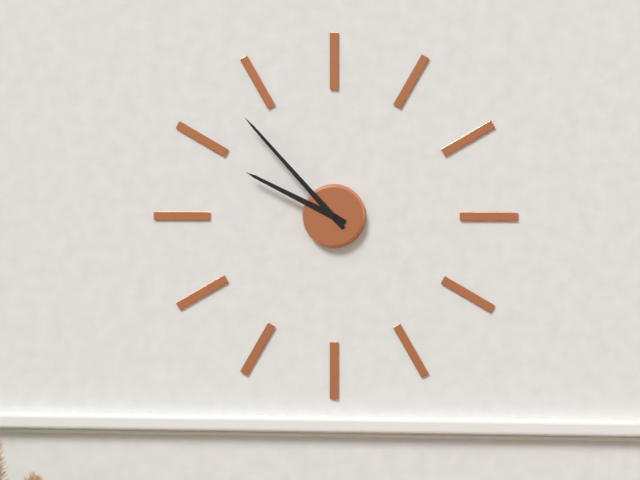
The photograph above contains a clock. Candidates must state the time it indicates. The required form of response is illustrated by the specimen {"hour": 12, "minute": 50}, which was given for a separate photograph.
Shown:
{"hour": 9, "minute": 53}
